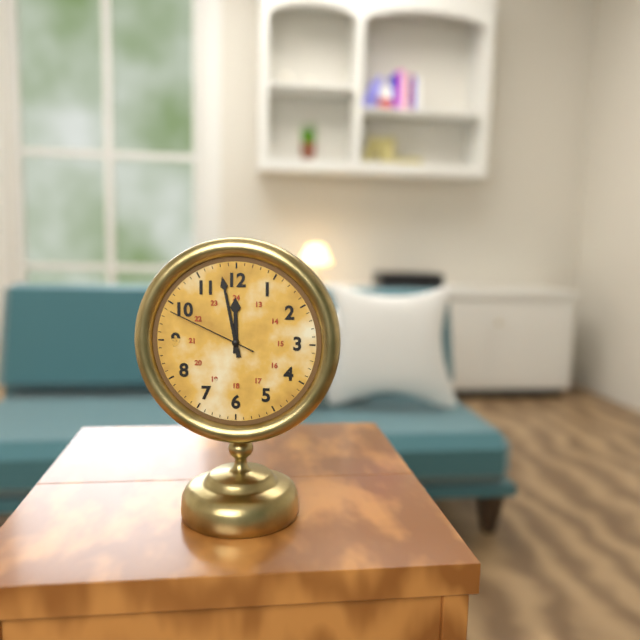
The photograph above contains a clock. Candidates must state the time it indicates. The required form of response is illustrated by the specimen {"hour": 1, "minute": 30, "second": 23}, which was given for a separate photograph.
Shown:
{"hour": 11, "minute": 58, "second": 49}
